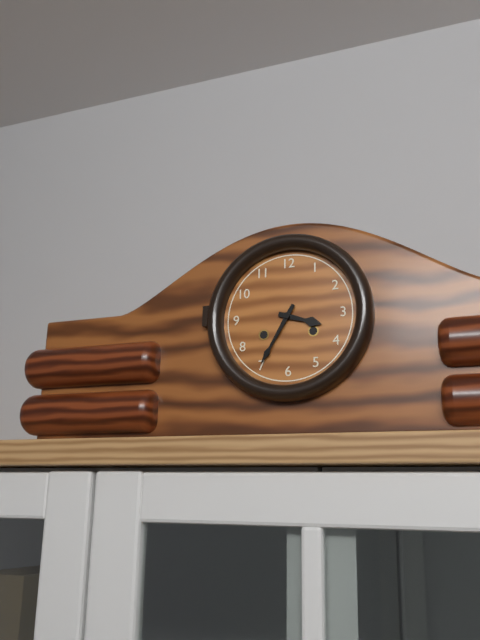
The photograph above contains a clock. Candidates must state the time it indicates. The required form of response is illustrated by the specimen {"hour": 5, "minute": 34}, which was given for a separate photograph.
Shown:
{"hour": 3, "minute": 35}
